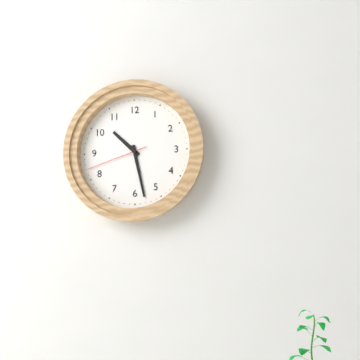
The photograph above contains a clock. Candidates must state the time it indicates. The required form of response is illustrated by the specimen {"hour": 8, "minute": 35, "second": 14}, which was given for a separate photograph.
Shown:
{"hour": 10, "minute": 28, "second": 42}
